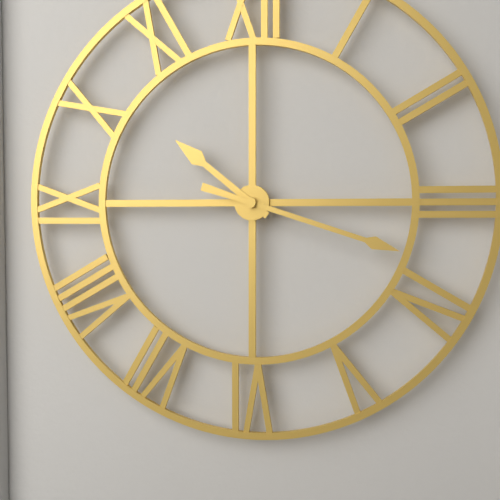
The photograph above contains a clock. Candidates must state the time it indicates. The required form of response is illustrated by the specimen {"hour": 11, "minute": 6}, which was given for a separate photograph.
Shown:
{"hour": 10, "minute": 18}
